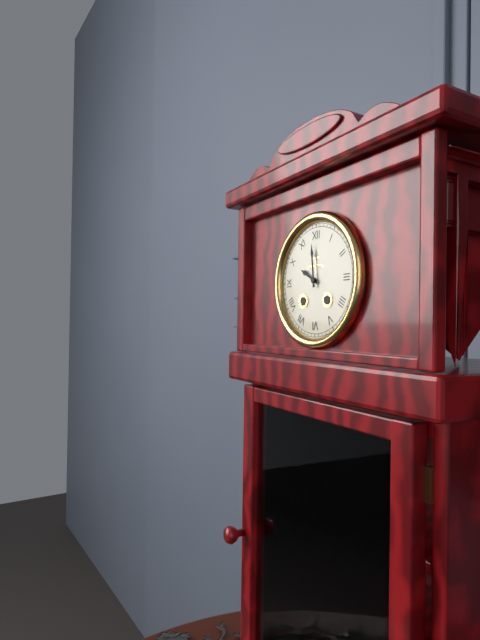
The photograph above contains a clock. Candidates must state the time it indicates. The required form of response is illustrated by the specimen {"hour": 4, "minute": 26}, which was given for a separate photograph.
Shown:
{"hour": 9, "minute": 59}
